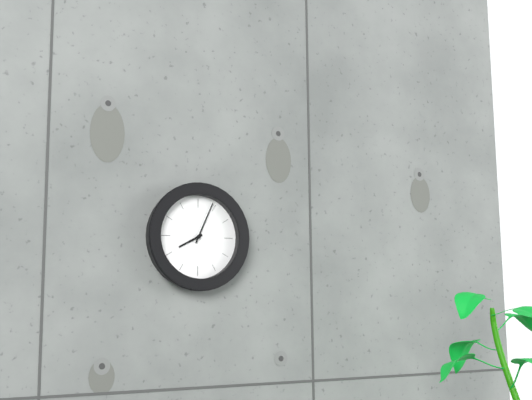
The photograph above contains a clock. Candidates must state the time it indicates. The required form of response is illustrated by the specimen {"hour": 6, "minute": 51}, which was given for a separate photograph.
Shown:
{"hour": 8, "minute": 4}
